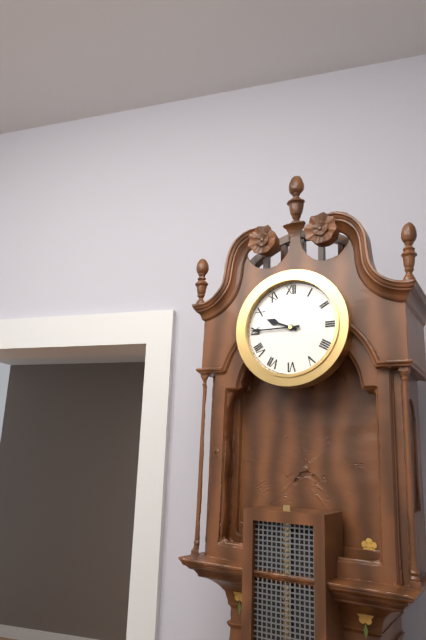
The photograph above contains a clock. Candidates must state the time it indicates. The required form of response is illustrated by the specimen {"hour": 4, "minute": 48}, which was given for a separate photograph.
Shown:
{"hour": 9, "minute": 45}
